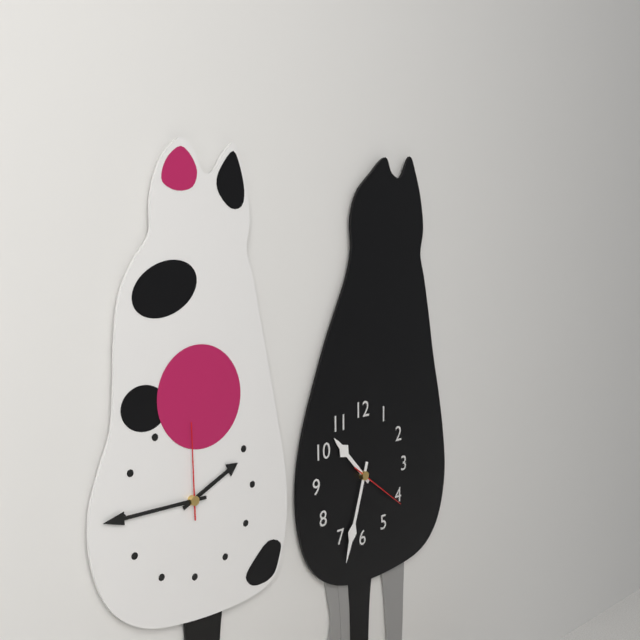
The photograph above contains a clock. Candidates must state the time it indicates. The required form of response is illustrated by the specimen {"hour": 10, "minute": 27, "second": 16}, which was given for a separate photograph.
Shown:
{"hour": 10, "minute": 33, "second": 21}
